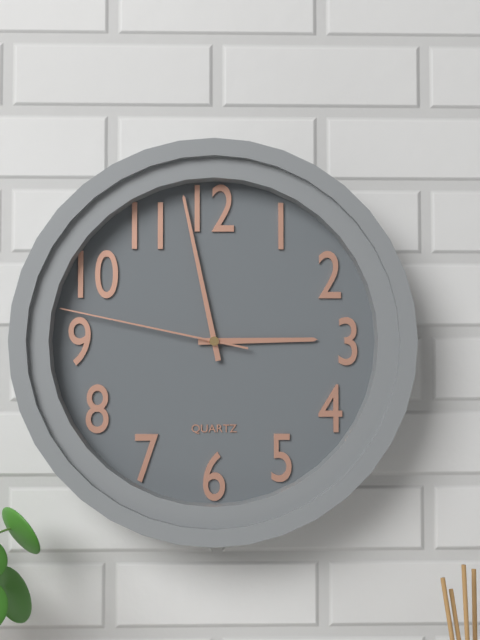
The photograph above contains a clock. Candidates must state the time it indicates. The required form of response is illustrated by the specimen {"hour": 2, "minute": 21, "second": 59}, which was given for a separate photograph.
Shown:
{"hour": 2, "minute": 58, "second": 47}
